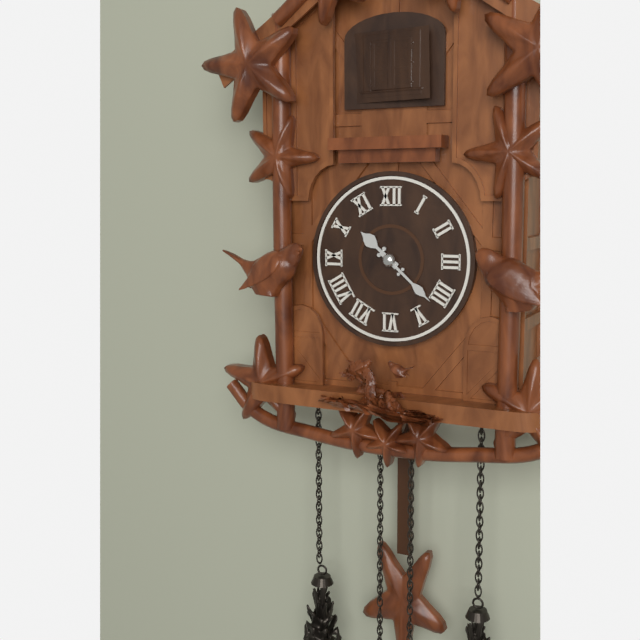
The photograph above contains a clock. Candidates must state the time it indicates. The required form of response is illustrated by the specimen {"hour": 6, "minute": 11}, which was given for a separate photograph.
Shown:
{"hour": 10, "minute": 22}
